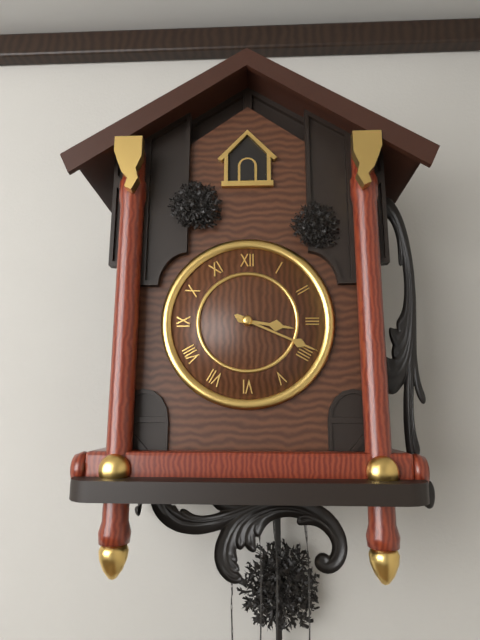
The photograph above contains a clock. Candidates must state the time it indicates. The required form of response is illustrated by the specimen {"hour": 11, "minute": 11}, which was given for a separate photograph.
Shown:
{"hour": 3, "minute": 19}
